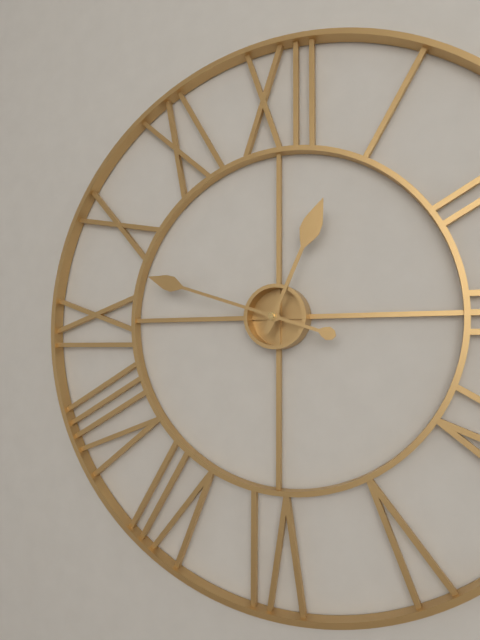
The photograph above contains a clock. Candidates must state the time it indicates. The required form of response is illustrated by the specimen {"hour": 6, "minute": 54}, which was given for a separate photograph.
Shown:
{"hour": 12, "minute": 48}
